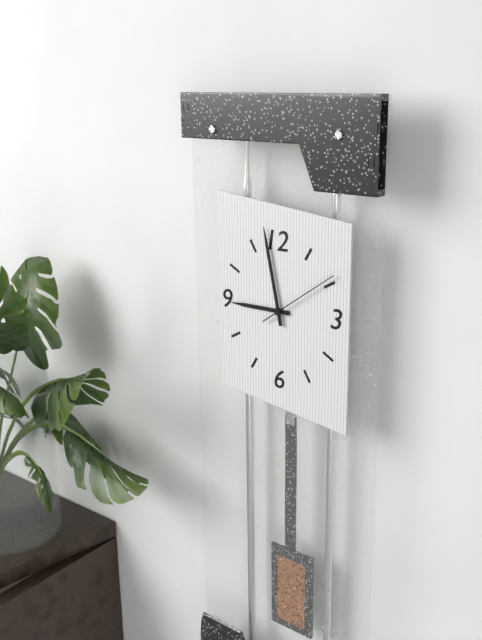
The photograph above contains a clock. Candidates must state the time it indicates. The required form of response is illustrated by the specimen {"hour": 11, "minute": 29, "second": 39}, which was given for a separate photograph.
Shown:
{"hour": 8, "minute": 58, "second": 9}
